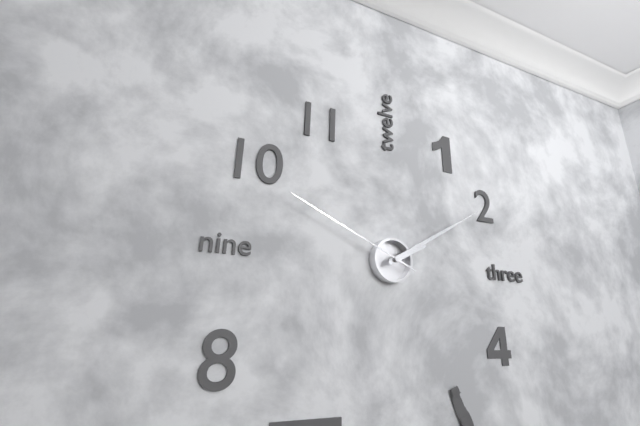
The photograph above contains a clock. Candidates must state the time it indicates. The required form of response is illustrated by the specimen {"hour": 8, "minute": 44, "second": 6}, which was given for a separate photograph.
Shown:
{"hour": 2, "minute": 10, "second": 49}
